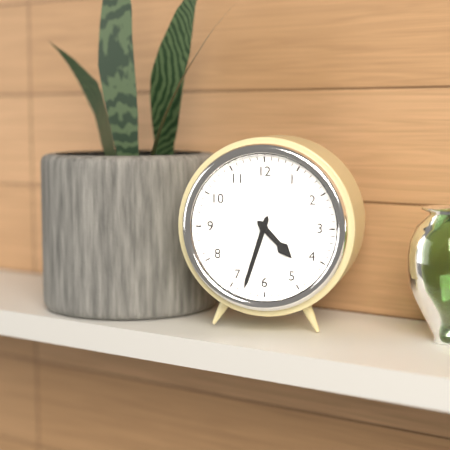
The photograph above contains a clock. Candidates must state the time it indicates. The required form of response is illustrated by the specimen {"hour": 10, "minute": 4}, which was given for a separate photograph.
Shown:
{"hour": 4, "minute": 33}
